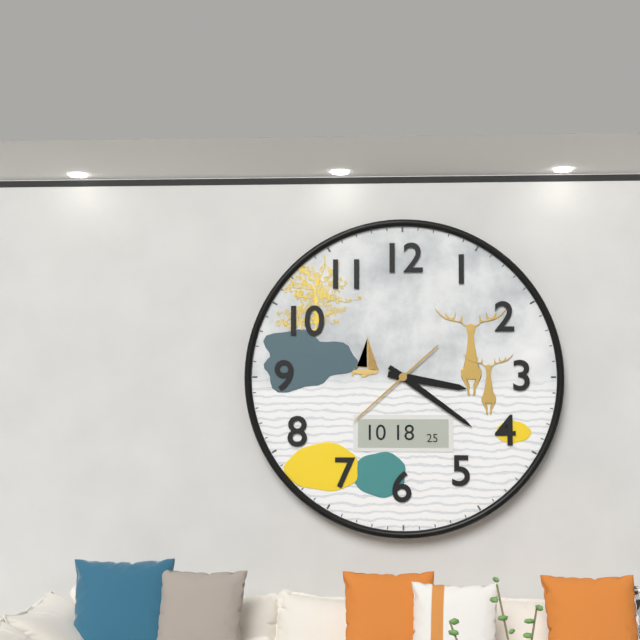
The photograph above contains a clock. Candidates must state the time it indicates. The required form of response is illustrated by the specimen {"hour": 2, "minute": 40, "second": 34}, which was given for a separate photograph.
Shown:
{"hour": 3, "minute": 21, "second": 38}
